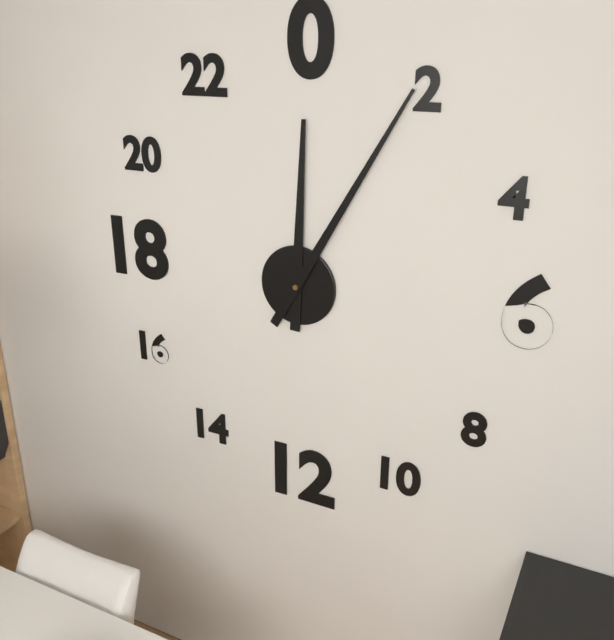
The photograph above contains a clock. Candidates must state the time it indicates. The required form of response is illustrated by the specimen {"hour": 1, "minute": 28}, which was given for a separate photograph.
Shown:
{"hour": 12, "minute": 5}
